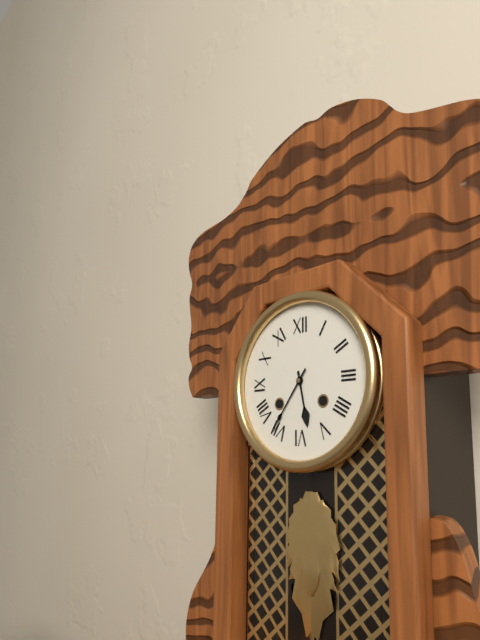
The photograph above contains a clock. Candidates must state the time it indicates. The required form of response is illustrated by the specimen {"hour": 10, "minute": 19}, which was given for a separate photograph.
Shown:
{"hour": 5, "minute": 36}
